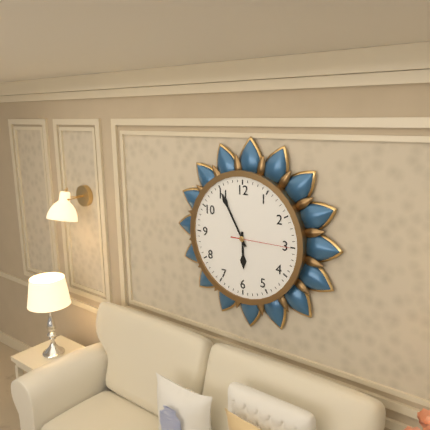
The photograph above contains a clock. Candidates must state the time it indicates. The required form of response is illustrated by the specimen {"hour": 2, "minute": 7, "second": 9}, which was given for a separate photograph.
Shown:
{"hour": 5, "minute": 55, "second": 15}
